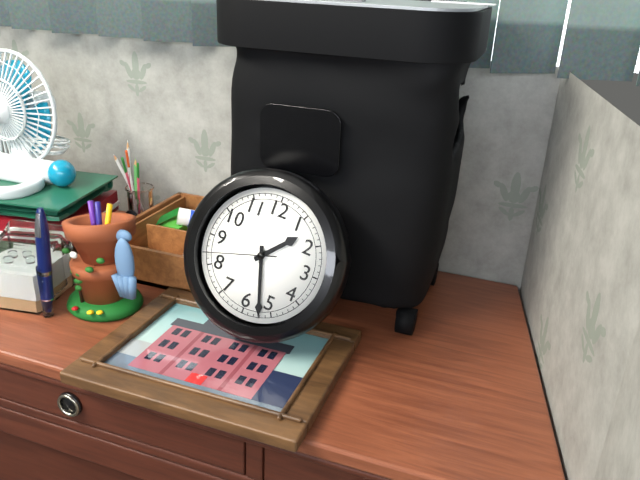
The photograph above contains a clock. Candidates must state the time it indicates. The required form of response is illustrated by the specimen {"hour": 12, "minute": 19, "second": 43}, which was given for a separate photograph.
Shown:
{"hour": 1, "minute": 27, "second": 42}
